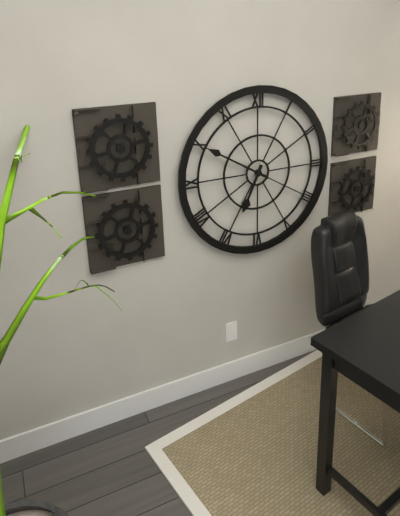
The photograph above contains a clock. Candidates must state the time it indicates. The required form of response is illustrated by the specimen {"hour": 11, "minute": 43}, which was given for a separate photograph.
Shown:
{"hour": 6, "minute": 50}
